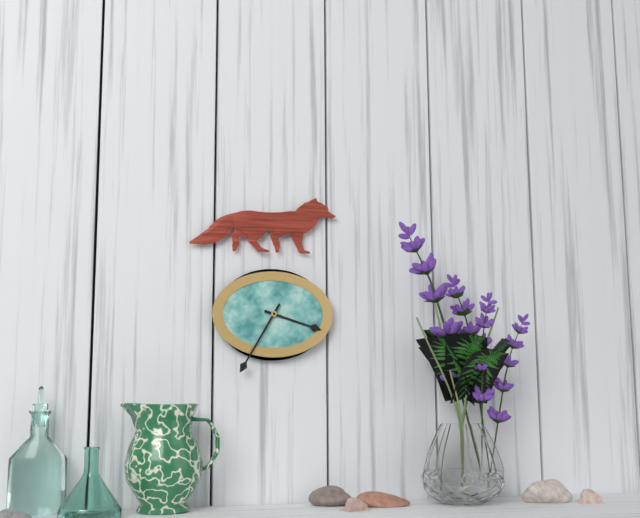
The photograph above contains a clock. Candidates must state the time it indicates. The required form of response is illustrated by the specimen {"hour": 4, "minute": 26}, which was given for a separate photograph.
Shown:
{"hour": 3, "minute": 35}
